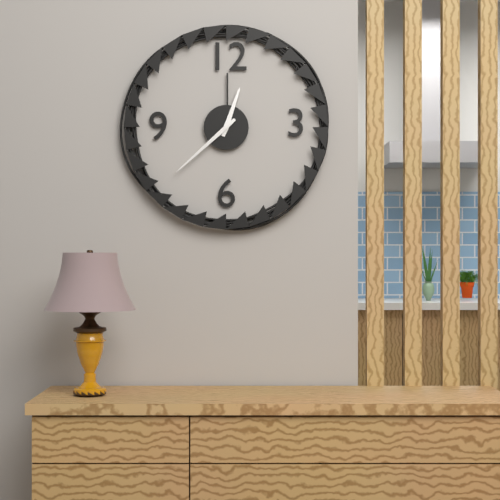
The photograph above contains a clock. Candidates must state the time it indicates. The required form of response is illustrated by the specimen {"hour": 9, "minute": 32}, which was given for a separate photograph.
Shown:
{"hour": 12, "minute": 38}
